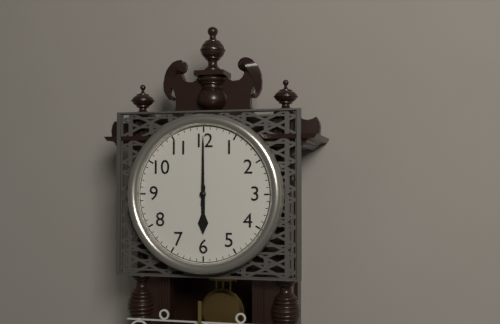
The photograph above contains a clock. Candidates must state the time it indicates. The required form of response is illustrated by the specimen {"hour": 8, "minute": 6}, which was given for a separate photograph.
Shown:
{"hour": 6, "minute": 0}
